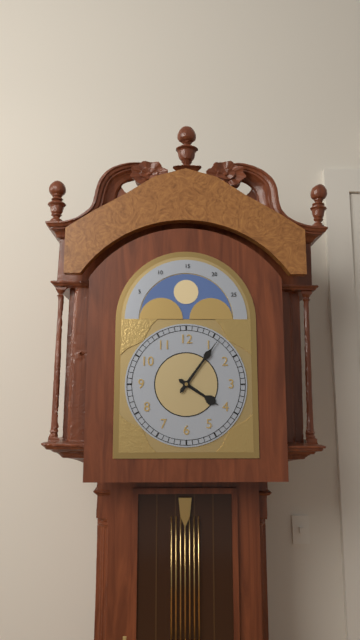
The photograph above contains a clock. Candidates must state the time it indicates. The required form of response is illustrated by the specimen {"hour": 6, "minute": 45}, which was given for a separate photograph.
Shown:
{"hour": 4, "minute": 6}
